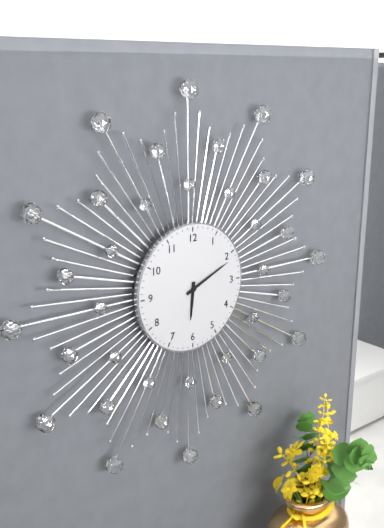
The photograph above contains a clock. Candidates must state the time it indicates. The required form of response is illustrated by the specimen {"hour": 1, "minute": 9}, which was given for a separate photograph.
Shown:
{"hour": 6, "minute": 11}
